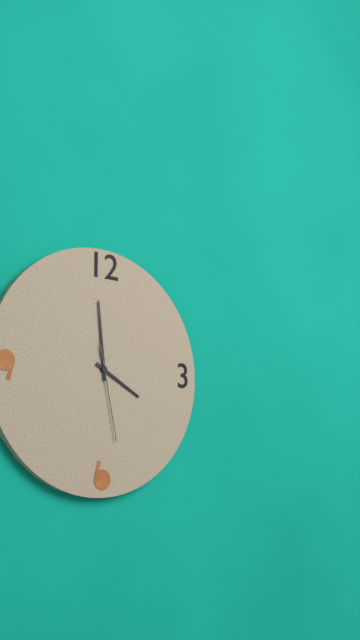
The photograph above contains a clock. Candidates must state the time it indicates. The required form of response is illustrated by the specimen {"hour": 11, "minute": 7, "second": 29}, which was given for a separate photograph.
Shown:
{"hour": 3, "minute": 59, "second": 28}
